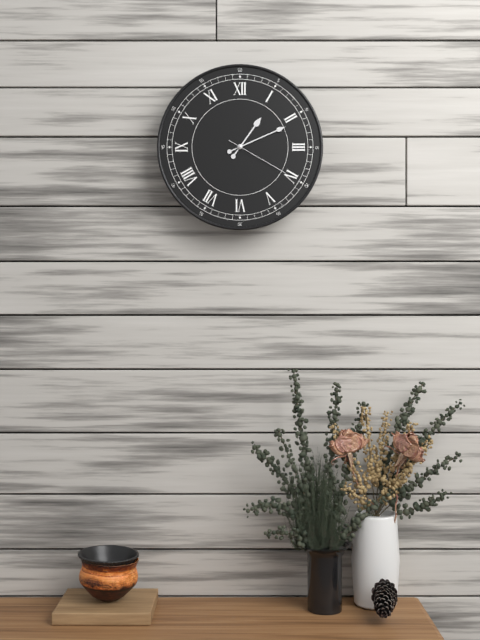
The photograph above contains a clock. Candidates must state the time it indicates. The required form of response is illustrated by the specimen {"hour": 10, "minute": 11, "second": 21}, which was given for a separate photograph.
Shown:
{"hour": 1, "minute": 11, "second": 20}
